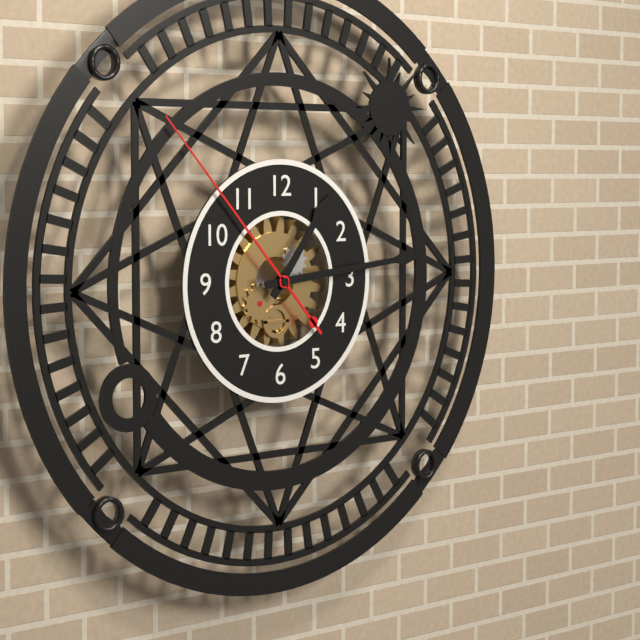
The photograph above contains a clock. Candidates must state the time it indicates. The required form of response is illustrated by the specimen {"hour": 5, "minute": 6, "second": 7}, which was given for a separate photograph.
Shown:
{"hour": 1, "minute": 14, "second": 53}
